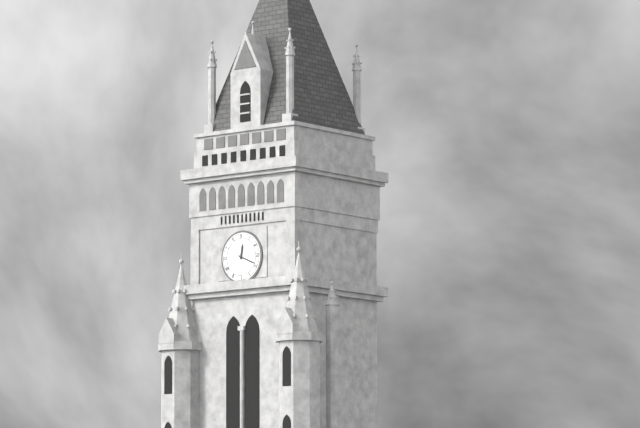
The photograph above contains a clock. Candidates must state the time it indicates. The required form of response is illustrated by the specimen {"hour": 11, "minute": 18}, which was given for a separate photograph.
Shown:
{"hour": 12, "minute": 19}
